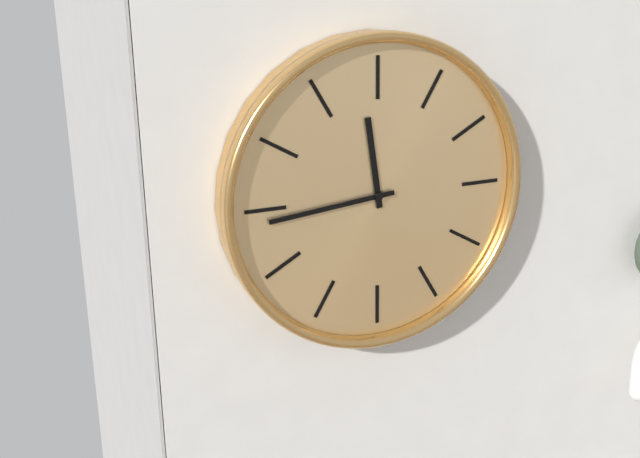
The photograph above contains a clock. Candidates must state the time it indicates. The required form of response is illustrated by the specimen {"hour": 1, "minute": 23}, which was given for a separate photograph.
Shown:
{"hour": 11, "minute": 44}
